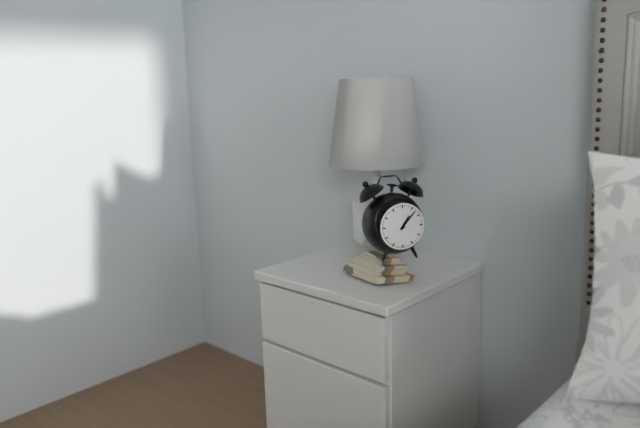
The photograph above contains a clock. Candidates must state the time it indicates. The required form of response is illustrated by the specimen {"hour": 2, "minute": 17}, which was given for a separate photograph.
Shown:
{"hour": 1, "minute": 7}
